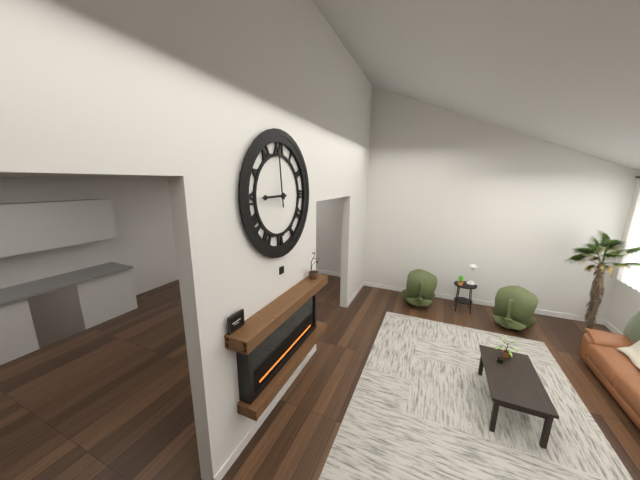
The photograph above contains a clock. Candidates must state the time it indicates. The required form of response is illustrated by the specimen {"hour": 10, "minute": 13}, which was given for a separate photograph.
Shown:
{"hour": 8, "minute": 59}
